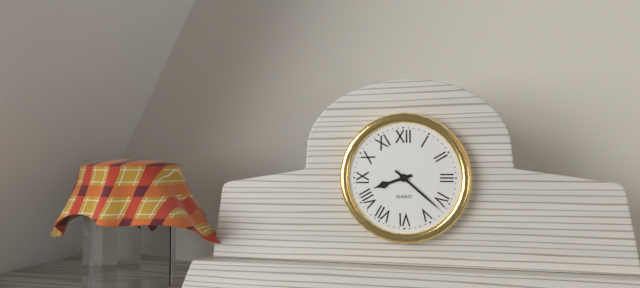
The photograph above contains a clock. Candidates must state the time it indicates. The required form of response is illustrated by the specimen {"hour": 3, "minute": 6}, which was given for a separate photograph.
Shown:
{"hour": 8, "minute": 22}
